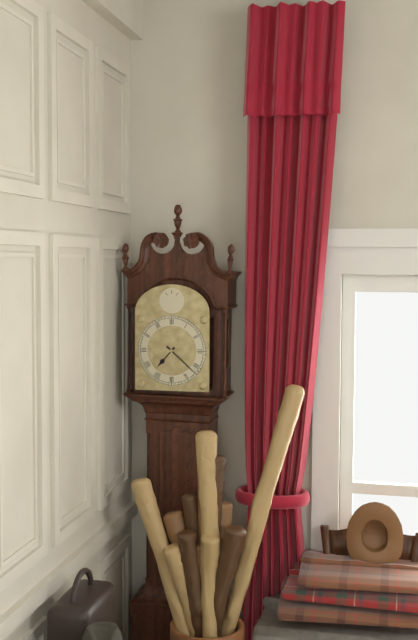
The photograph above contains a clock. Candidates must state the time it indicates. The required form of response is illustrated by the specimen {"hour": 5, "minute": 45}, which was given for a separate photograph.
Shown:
{"hour": 7, "minute": 22}
